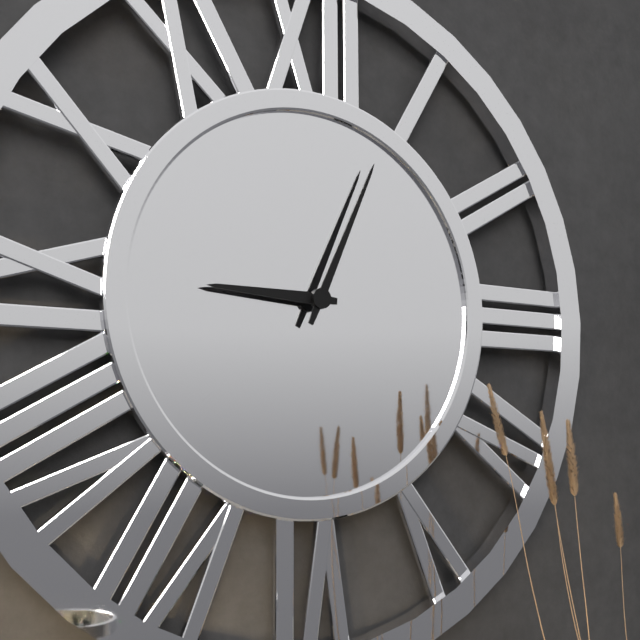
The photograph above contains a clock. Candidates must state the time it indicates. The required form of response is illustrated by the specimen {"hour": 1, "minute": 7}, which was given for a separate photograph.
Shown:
{"hour": 9, "minute": 4}
